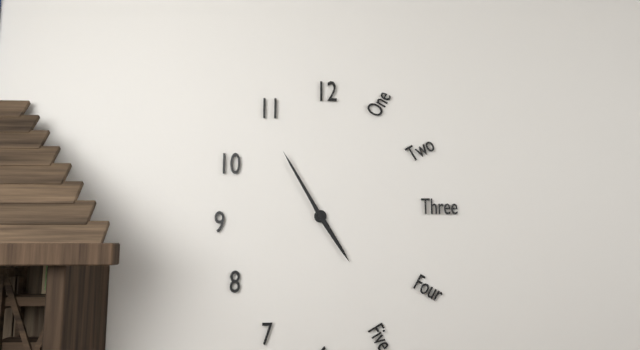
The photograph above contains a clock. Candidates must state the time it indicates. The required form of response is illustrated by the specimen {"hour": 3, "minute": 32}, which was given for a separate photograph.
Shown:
{"hour": 4, "minute": 55}
